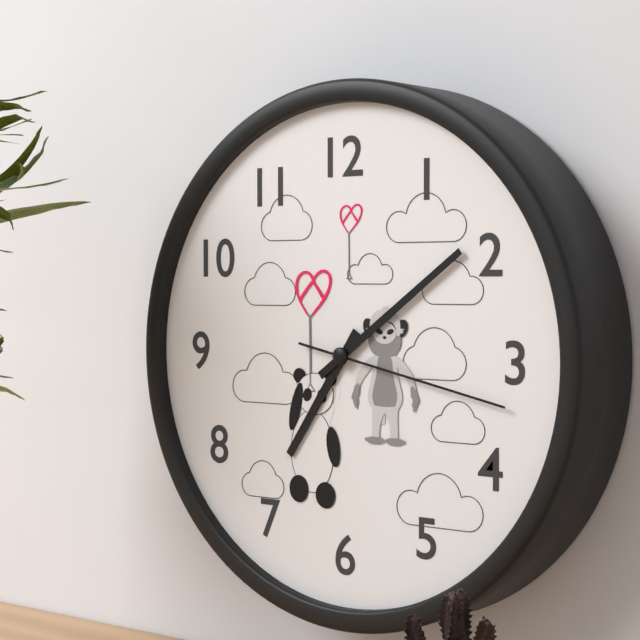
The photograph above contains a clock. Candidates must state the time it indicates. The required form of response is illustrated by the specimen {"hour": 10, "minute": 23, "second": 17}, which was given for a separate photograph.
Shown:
{"hour": 7, "minute": 9, "second": 17}
